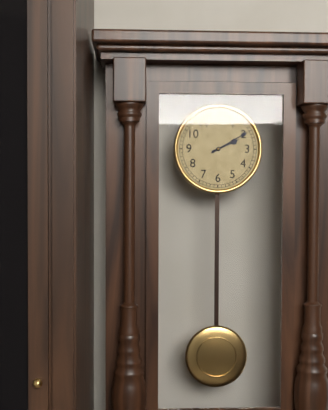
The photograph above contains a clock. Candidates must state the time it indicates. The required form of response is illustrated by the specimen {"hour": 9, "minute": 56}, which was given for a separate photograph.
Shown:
{"hour": 2, "minute": 10}
